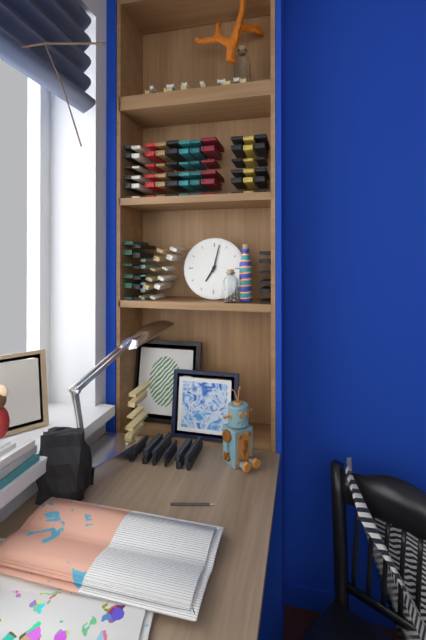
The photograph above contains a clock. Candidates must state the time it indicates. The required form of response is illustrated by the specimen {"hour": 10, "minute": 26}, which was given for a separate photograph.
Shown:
{"hour": 7, "minute": 2}
